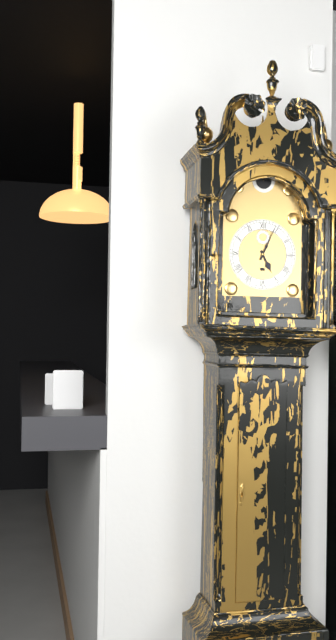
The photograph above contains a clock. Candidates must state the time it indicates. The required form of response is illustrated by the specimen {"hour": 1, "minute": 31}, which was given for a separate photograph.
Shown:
{"hour": 5, "minute": 4}
